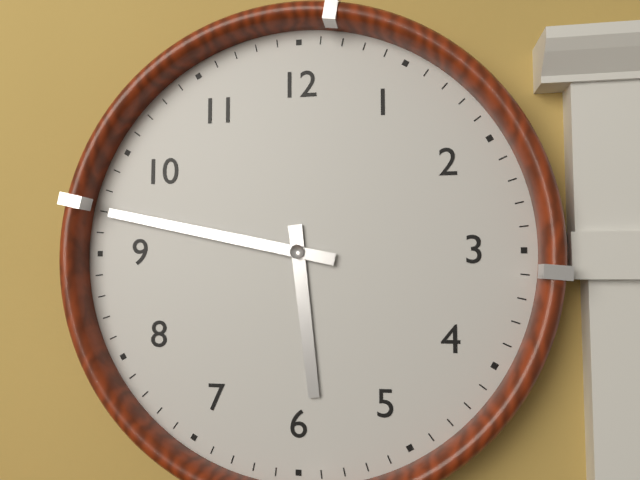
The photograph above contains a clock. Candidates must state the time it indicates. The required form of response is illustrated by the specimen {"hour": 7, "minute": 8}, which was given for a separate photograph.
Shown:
{"hour": 5, "minute": 47}
